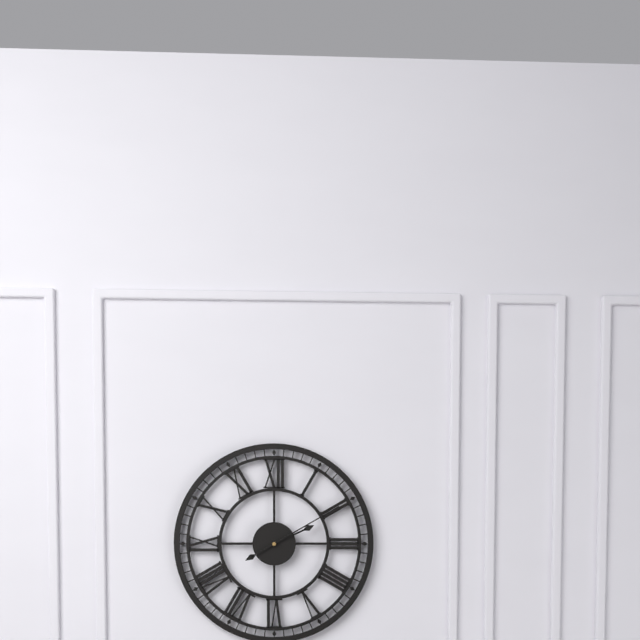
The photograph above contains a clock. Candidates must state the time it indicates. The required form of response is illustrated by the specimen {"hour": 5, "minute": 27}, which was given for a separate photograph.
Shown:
{"hour": 2, "minute": 10}
